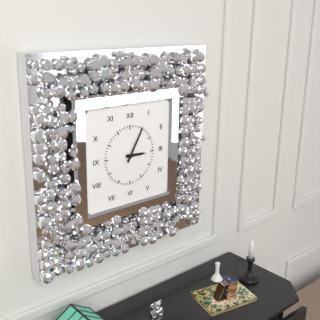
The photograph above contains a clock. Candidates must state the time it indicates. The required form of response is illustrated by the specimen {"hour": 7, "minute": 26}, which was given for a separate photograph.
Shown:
{"hour": 3, "minute": 5}
